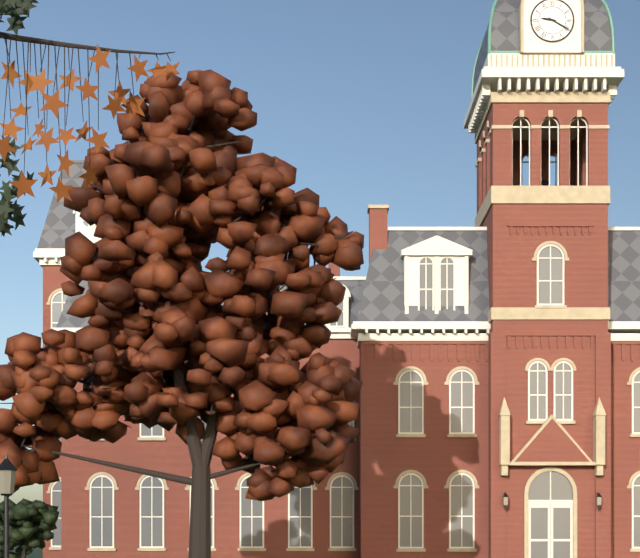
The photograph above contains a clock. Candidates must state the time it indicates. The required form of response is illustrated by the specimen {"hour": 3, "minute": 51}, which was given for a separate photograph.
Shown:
{"hour": 9, "minute": 20}
